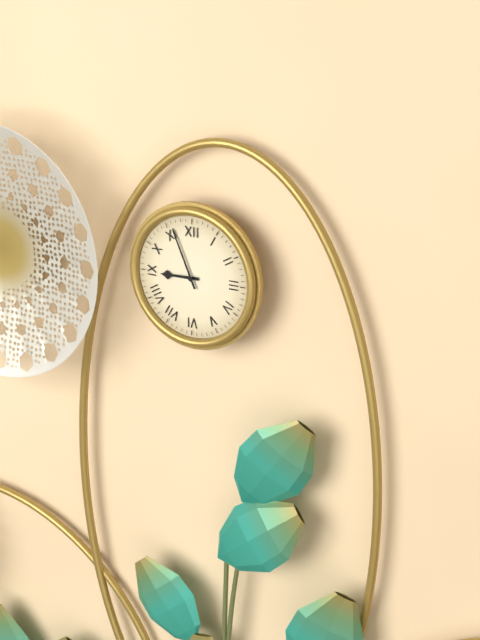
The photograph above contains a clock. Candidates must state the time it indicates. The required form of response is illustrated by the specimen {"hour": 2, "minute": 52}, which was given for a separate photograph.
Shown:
{"hour": 8, "minute": 56}
